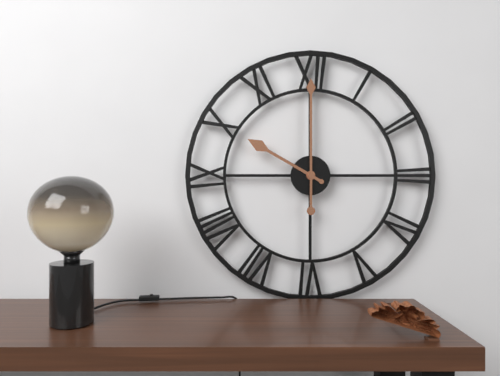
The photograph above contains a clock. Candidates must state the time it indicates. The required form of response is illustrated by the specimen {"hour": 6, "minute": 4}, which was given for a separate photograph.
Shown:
{"hour": 10, "minute": 0}
